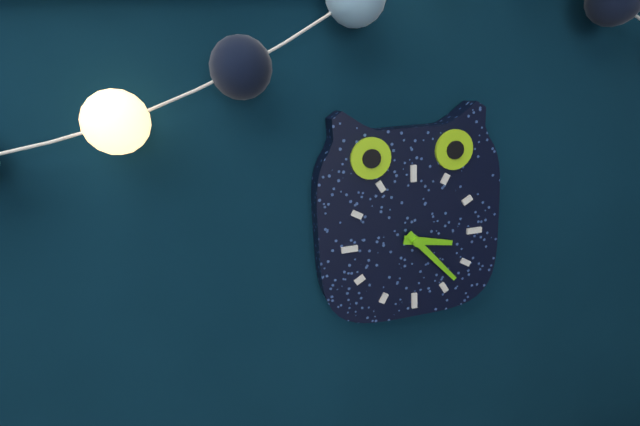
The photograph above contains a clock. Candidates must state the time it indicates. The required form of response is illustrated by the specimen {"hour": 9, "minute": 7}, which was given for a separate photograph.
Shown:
{"hour": 3, "minute": 23}
